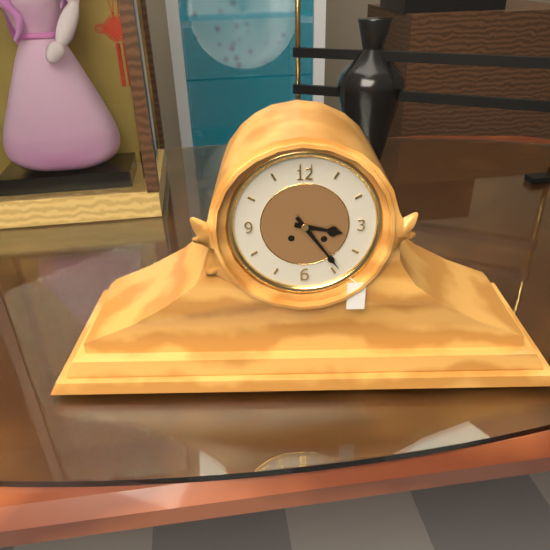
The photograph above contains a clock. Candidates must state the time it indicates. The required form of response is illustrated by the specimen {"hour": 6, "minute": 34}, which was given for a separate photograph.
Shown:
{"hour": 3, "minute": 24}
